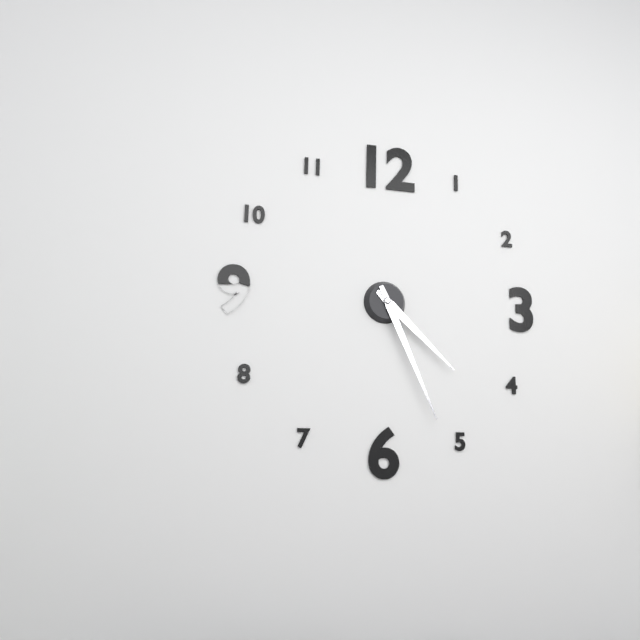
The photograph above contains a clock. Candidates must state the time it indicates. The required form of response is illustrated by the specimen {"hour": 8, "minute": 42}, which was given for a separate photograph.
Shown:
{"hour": 4, "minute": 26}
